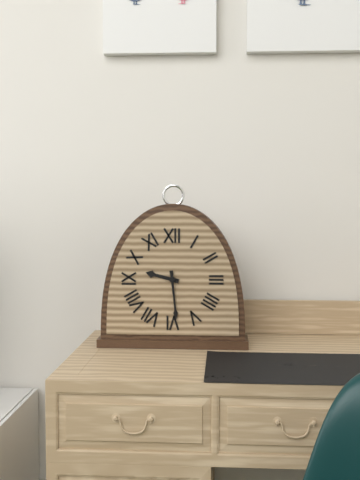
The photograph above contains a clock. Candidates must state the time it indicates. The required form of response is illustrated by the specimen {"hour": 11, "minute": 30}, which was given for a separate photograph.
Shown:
{"hour": 9, "minute": 29}
